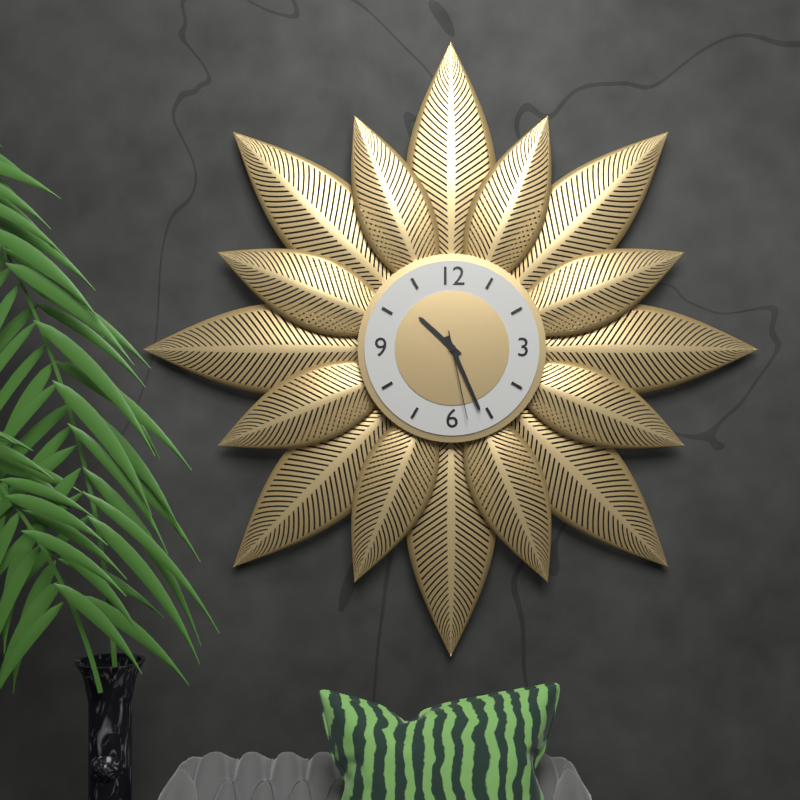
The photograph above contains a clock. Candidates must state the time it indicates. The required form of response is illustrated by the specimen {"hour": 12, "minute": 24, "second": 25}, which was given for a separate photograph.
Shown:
{"hour": 10, "minute": 26, "second": 28}
